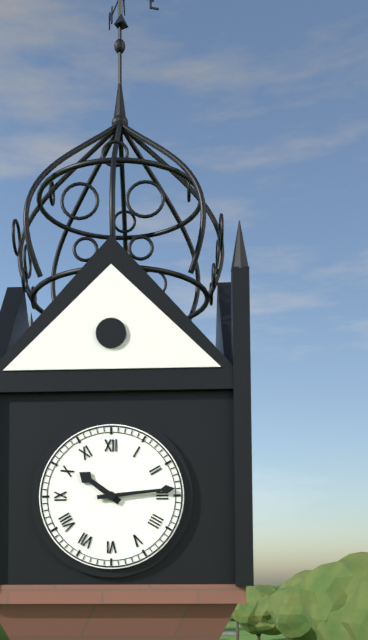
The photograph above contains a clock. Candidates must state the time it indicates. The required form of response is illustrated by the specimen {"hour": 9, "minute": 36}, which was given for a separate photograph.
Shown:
{"hour": 10, "minute": 14}
